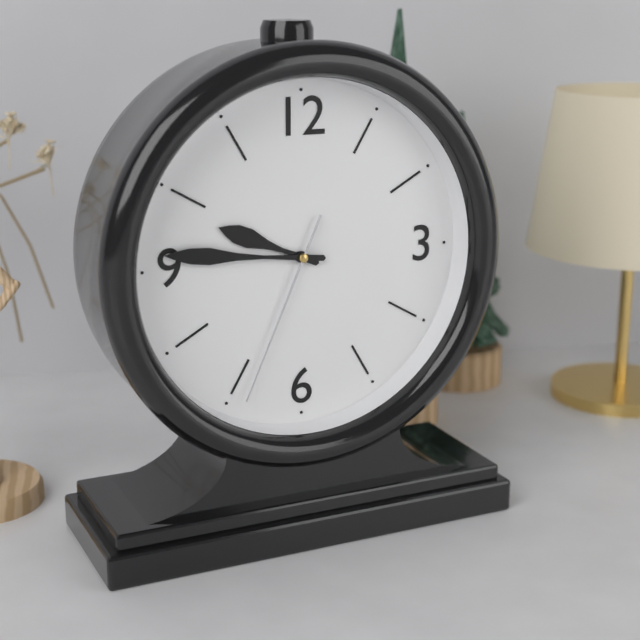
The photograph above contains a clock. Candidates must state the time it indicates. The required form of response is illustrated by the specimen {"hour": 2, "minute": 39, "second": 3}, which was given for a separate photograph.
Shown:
{"hour": 9, "minute": 46, "second": 34}
